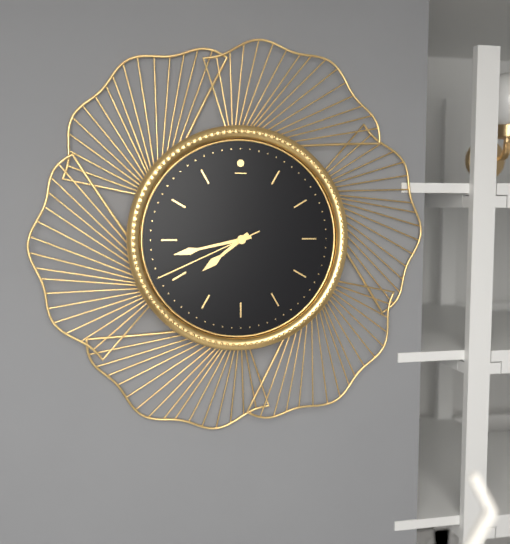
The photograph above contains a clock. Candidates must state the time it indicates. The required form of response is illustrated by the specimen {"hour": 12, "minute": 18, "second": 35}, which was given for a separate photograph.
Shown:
{"hour": 7, "minute": 43, "second": 41}
